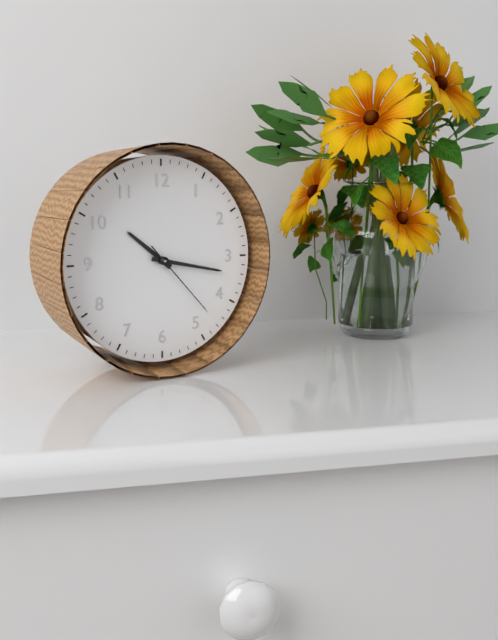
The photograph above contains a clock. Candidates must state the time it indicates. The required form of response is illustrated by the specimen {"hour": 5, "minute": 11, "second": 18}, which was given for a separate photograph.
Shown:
{"hour": 10, "minute": 17, "second": 23}
